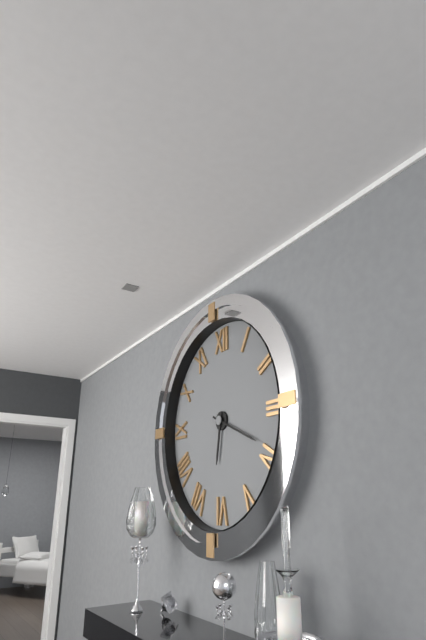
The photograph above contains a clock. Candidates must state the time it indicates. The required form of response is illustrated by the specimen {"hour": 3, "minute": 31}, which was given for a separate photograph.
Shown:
{"hour": 6, "minute": 19}
